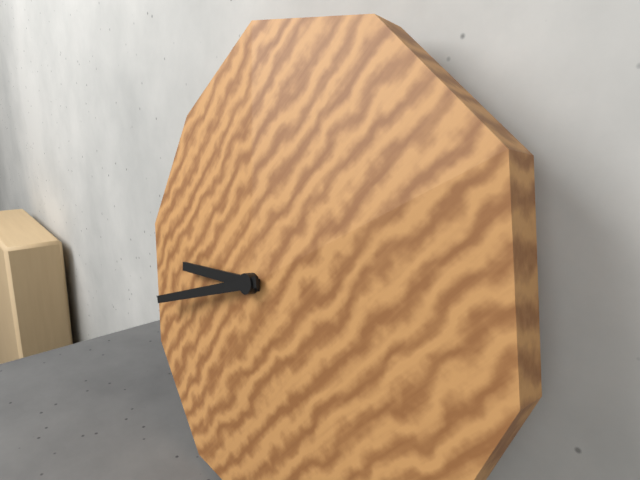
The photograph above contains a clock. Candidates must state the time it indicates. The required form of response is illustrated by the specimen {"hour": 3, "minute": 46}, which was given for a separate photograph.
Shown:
{"hour": 8, "minute": 41}
